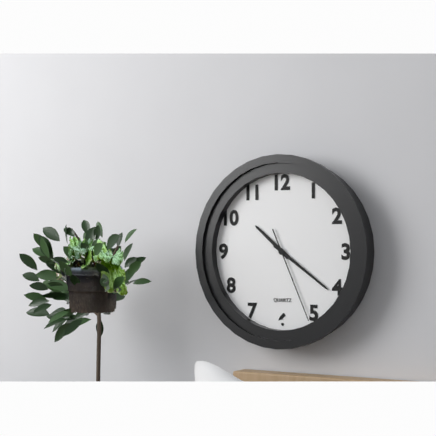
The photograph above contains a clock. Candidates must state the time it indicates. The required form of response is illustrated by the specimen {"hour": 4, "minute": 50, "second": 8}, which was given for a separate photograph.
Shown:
{"hour": 10, "minute": 21, "second": 26}
